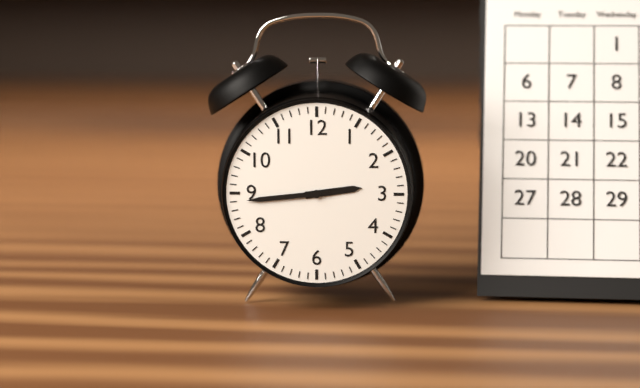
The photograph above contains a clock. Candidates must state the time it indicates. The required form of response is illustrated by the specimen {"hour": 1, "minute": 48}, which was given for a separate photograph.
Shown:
{"hour": 2, "minute": 44}
